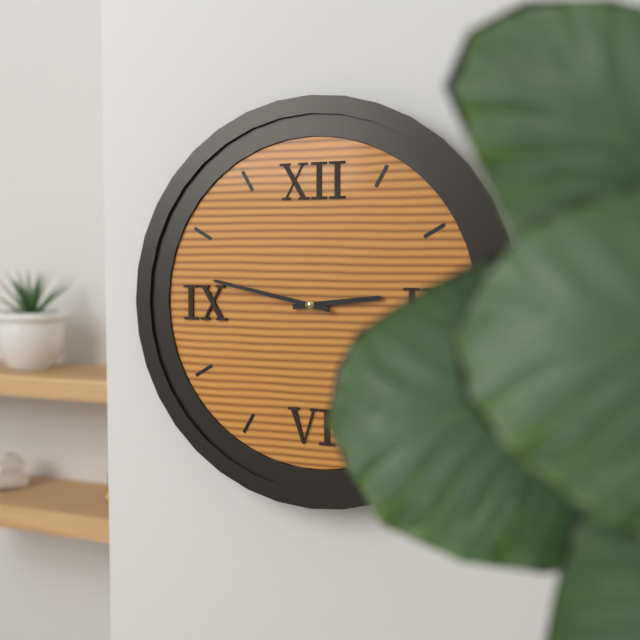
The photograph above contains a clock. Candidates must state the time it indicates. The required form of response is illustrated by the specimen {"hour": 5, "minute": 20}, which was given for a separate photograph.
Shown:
{"hour": 2, "minute": 47}
